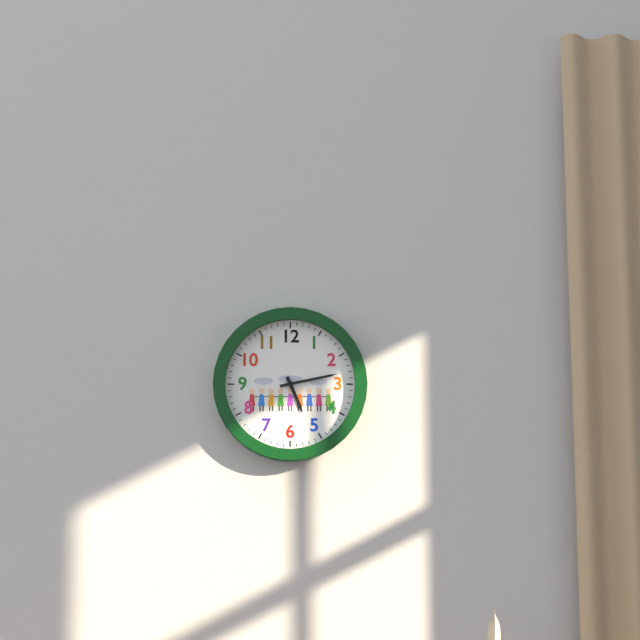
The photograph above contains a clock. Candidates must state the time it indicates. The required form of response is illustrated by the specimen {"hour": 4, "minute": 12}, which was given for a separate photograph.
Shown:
{"hour": 5, "minute": 13}
